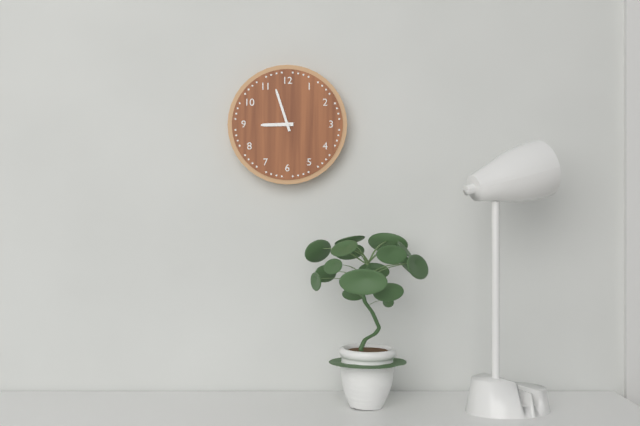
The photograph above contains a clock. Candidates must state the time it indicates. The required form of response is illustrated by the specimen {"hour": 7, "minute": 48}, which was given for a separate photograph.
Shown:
{"hour": 8, "minute": 57}
